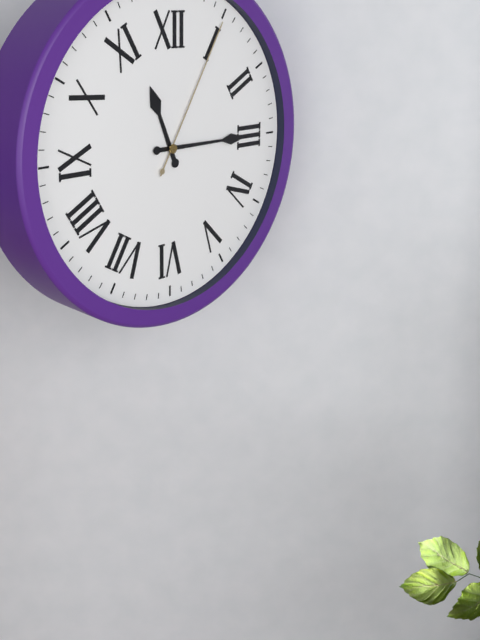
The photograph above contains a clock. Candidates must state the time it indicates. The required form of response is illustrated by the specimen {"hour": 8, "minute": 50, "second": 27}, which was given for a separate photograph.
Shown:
{"hour": 11, "minute": 15, "second": 5}
